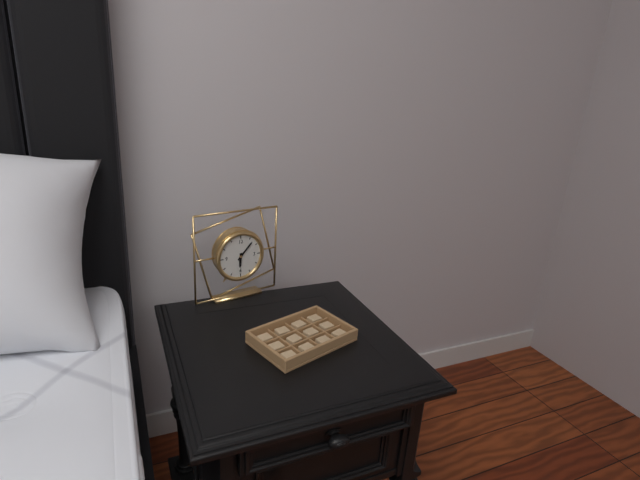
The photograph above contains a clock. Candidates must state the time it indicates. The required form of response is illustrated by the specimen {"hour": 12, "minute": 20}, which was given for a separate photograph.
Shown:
{"hour": 6, "minute": 7}
